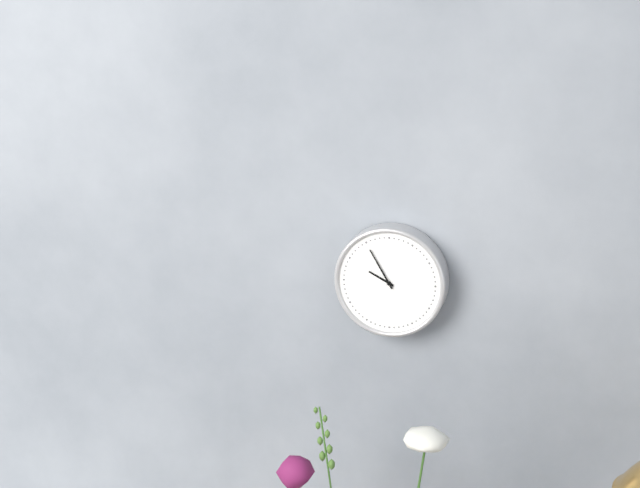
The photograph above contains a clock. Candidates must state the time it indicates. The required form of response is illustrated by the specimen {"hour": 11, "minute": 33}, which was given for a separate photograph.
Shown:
{"hour": 9, "minute": 55}
